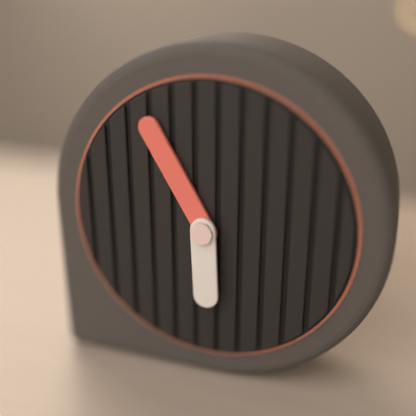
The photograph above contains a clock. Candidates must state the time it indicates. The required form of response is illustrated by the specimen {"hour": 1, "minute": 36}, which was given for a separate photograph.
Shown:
{"hour": 5, "minute": 55}
